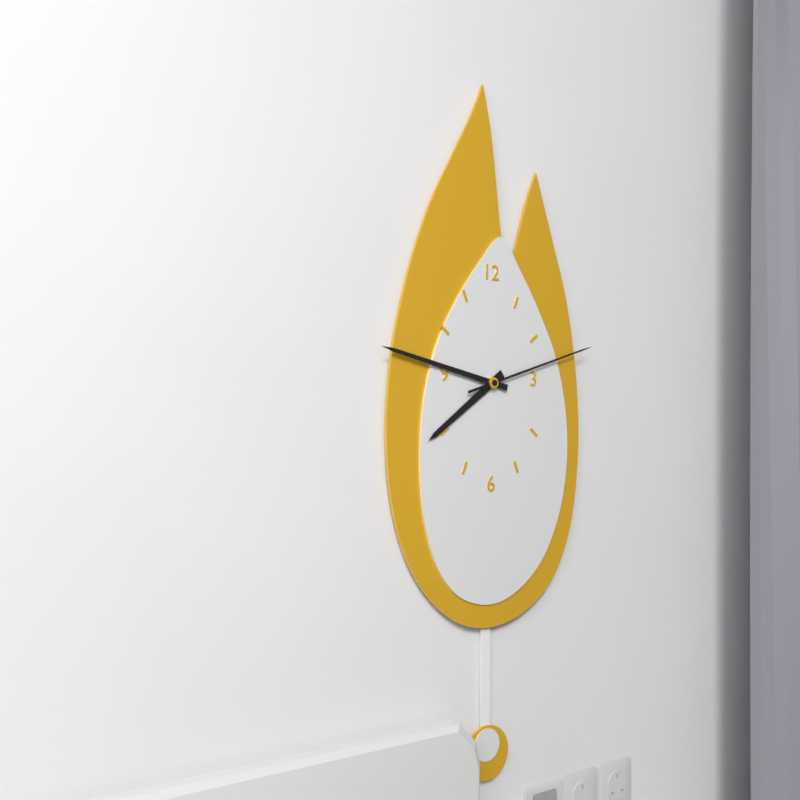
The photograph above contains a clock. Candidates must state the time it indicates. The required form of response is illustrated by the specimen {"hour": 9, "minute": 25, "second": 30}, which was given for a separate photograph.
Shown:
{"hour": 7, "minute": 47, "second": 12}
